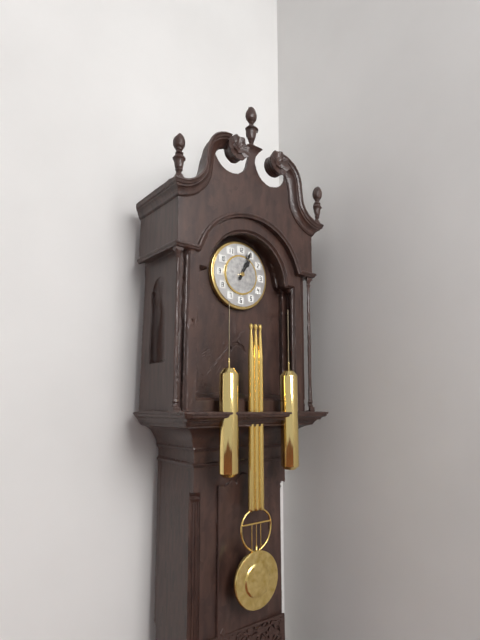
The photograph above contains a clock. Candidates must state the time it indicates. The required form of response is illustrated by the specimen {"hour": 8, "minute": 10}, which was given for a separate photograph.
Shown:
{"hour": 1, "minute": 4}
